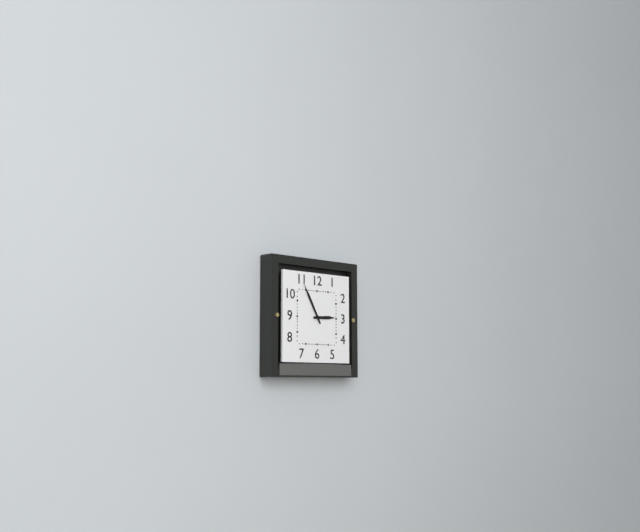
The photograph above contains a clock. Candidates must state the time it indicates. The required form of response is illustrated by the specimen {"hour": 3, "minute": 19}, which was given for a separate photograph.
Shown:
{"hour": 2, "minute": 55}
